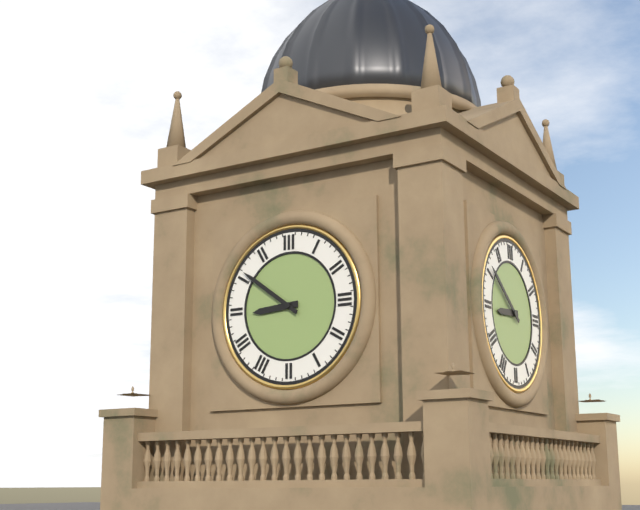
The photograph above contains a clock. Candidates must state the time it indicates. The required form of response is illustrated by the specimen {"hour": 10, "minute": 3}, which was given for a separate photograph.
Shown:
{"hour": 8, "minute": 51}
